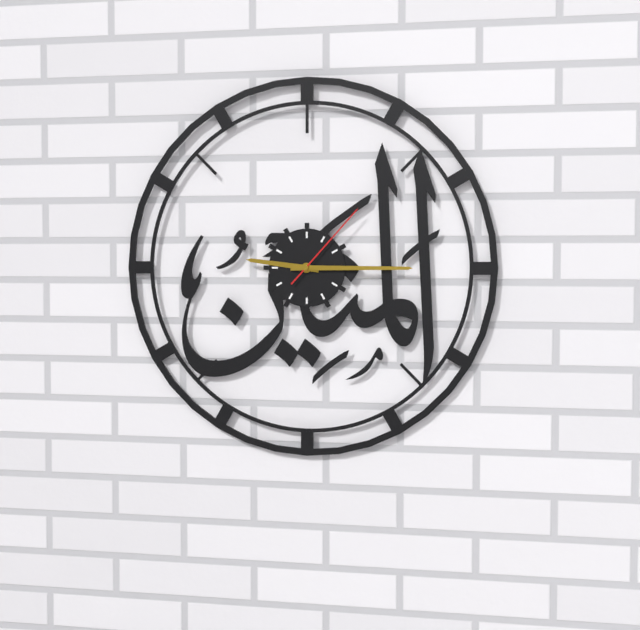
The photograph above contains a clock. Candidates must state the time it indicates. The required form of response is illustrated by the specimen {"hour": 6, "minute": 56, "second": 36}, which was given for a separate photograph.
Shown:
{"hour": 9, "minute": 15, "second": 7}
